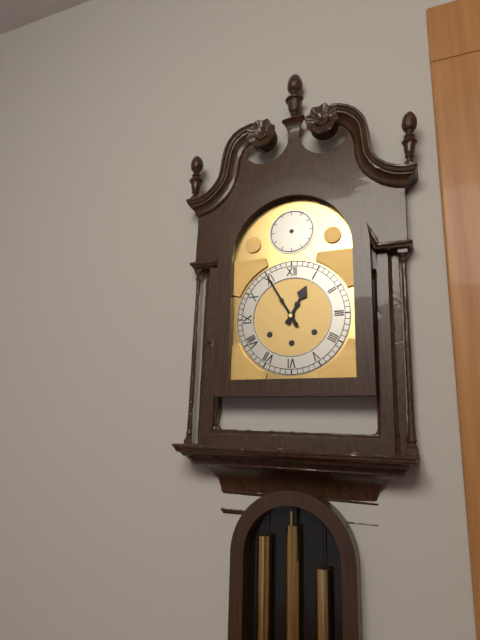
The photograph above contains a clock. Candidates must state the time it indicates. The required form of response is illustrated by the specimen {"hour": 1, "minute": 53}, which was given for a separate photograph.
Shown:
{"hour": 12, "minute": 55}
